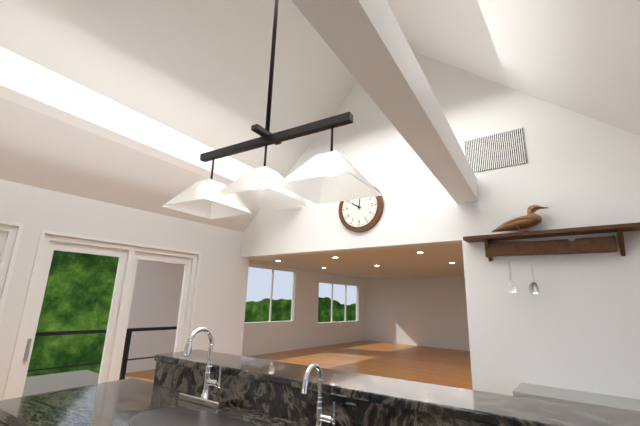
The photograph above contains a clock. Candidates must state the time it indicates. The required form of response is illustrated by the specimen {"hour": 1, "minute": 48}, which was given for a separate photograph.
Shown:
{"hour": 10, "minute": 1}
